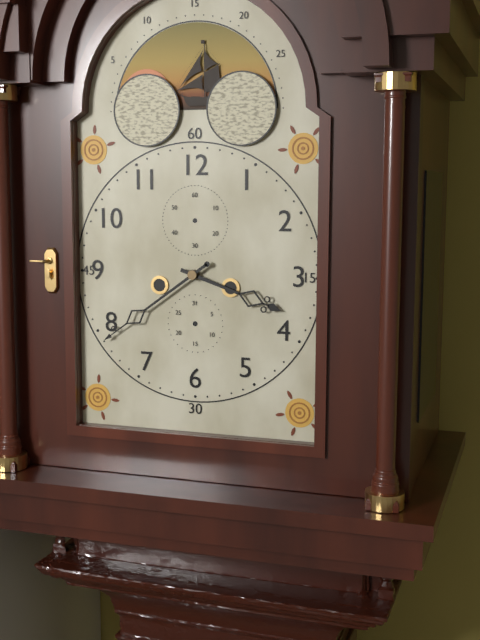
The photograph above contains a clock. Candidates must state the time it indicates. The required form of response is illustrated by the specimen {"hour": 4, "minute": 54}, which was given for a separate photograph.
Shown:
{"hour": 3, "minute": 39}
